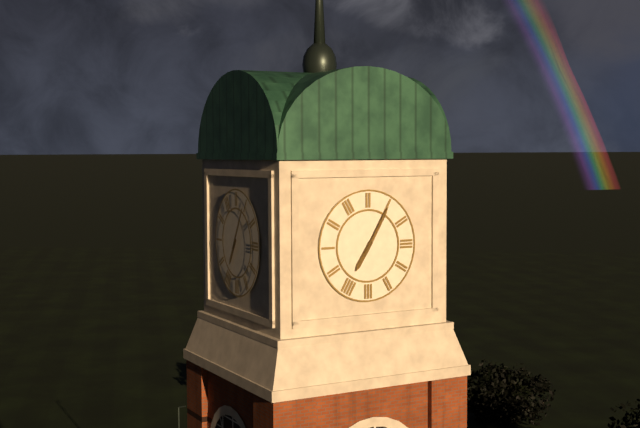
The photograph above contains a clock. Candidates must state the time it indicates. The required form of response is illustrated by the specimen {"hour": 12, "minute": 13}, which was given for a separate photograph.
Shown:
{"hour": 7, "minute": 5}
